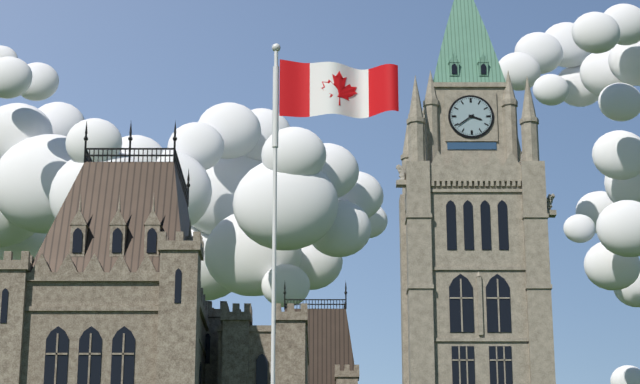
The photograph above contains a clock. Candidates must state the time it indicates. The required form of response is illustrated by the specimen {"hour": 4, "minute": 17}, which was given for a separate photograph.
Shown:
{"hour": 3, "minute": 39}
